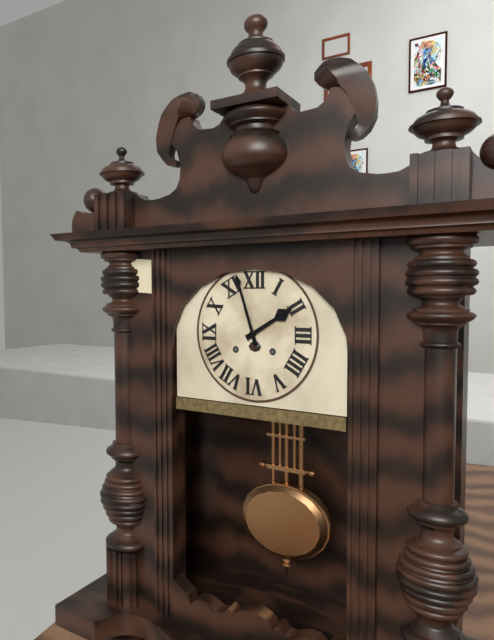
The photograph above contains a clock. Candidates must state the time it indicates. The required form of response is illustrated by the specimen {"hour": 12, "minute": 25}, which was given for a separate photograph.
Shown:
{"hour": 1, "minute": 57}
